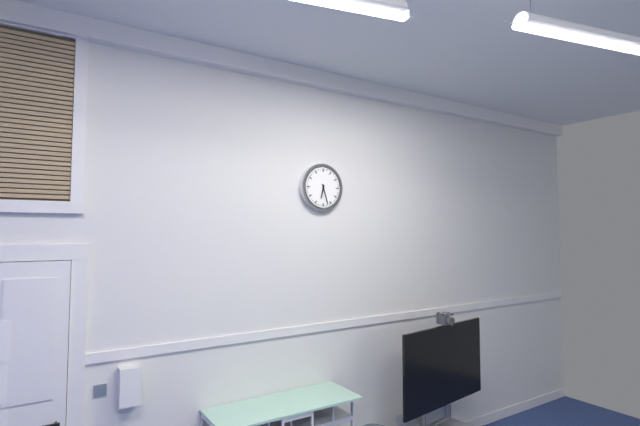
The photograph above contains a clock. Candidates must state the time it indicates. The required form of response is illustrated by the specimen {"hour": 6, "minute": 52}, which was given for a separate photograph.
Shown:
{"hour": 6, "minute": 27}
